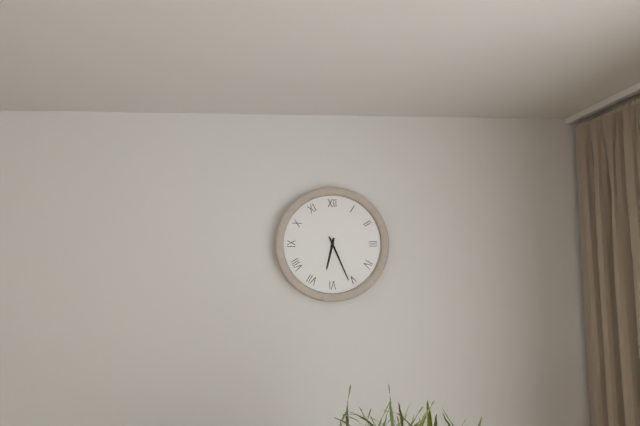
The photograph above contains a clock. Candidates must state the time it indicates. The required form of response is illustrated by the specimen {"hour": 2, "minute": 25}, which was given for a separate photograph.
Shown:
{"hour": 6, "minute": 26}
